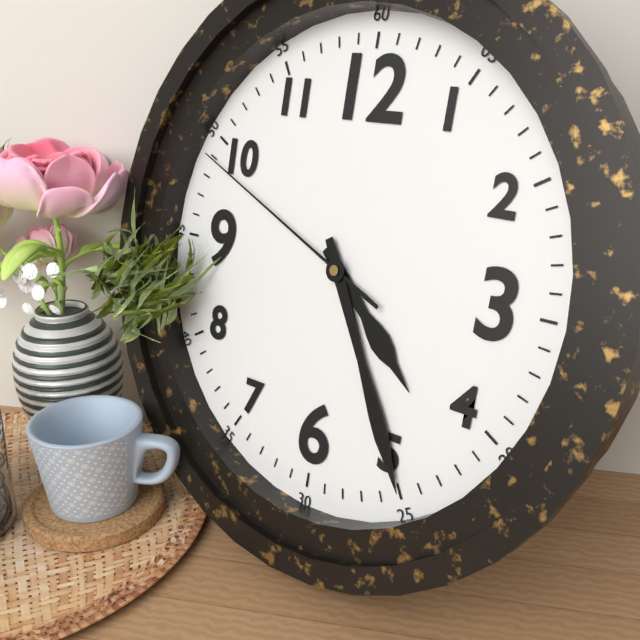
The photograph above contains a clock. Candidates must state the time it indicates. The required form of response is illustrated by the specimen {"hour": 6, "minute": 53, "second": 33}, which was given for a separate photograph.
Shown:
{"hour": 4, "minute": 25, "second": 49}
